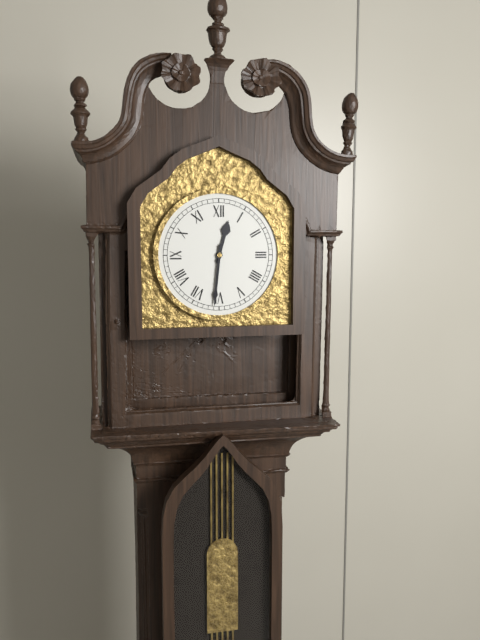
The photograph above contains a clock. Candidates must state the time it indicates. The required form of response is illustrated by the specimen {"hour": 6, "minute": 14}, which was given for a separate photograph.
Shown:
{"hour": 12, "minute": 31}
